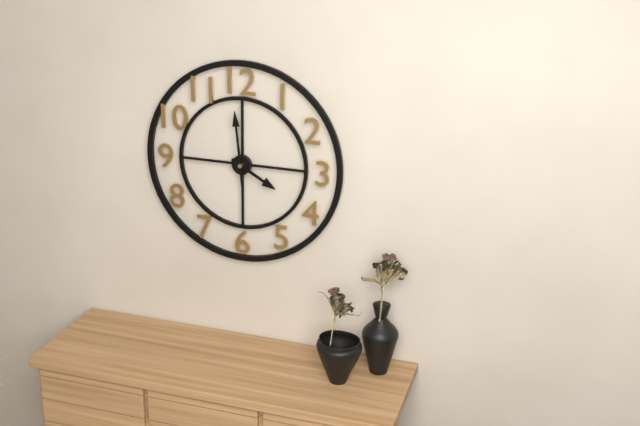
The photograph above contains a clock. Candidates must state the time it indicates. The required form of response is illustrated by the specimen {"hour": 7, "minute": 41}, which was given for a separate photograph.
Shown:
{"hour": 3, "minute": 59}
